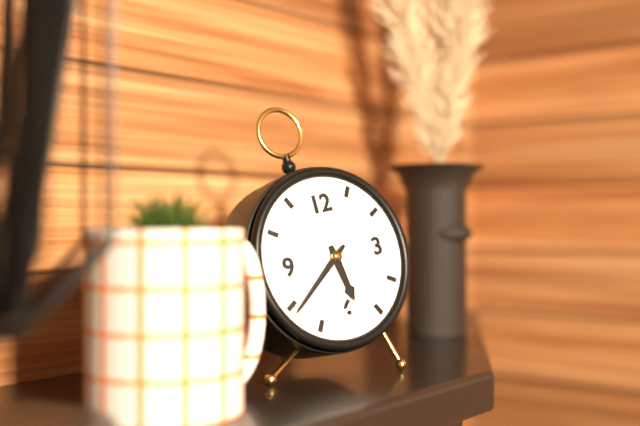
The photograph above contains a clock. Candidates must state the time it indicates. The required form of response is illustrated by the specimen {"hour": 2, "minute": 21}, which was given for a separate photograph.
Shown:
{"hour": 5, "minute": 39}
